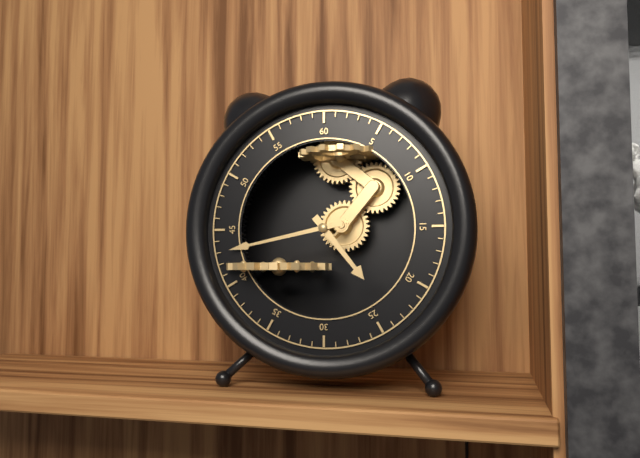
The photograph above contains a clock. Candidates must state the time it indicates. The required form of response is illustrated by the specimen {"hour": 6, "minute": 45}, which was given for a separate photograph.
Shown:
{"hour": 4, "minute": 43}
